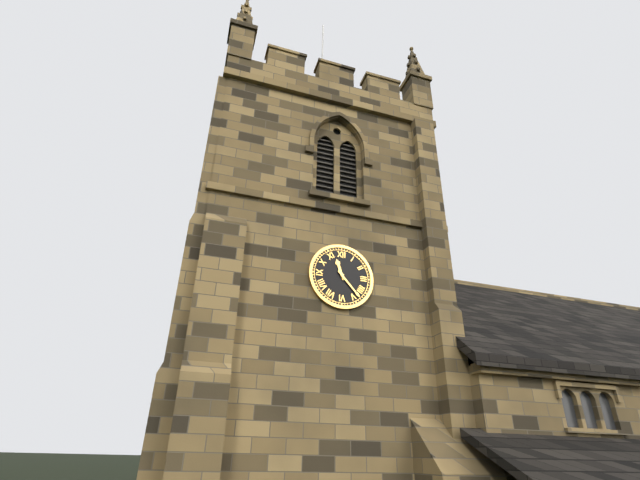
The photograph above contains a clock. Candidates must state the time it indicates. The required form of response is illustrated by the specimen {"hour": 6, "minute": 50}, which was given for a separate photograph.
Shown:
{"hour": 11, "minute": 23}
